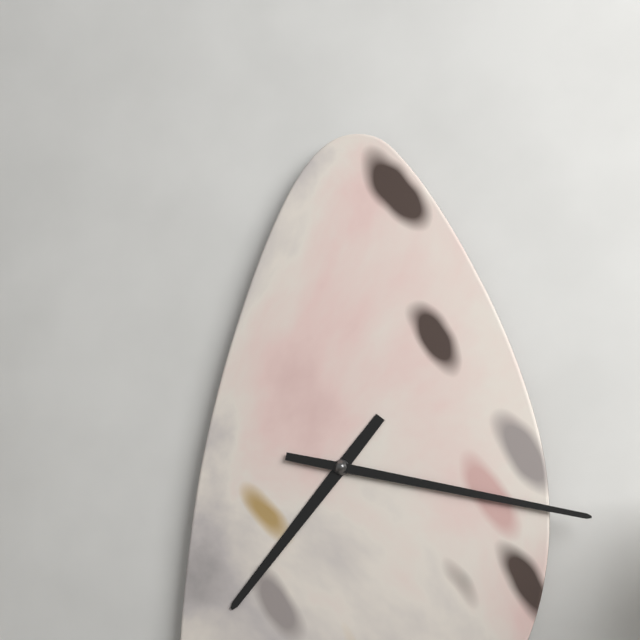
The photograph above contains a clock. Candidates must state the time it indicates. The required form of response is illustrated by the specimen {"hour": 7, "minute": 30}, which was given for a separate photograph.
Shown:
{"hour": 7, "minute": 17}
